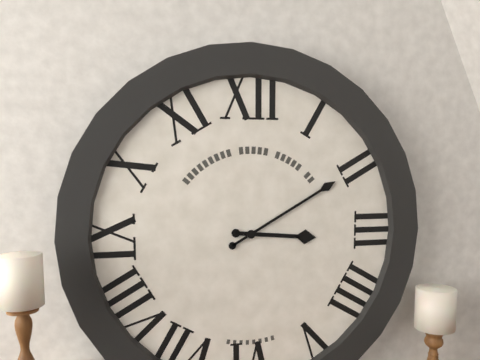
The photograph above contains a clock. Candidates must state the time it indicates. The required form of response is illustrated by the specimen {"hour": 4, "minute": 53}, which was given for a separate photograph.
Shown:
{"hour": 3, "minute": 10}
